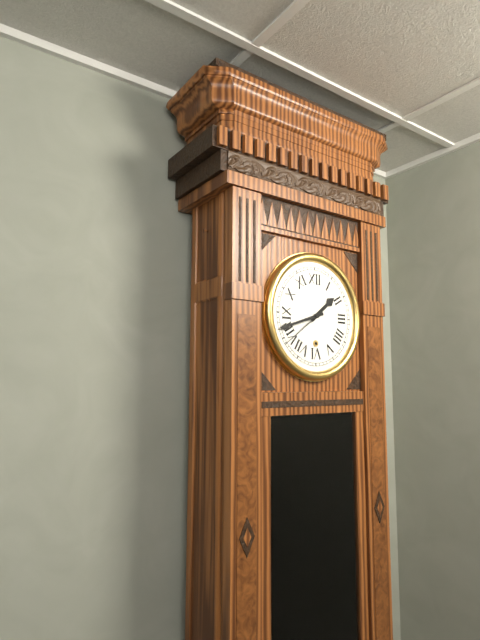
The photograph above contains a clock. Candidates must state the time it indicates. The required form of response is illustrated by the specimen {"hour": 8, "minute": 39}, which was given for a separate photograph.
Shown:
{"hour": 1, "minute": 42}
